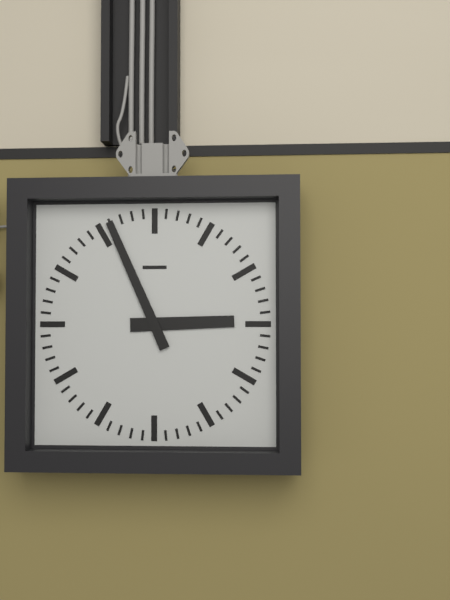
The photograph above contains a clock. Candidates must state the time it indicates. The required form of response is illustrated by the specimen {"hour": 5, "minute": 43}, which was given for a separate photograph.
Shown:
{"hour": 2, "minute": 56}
